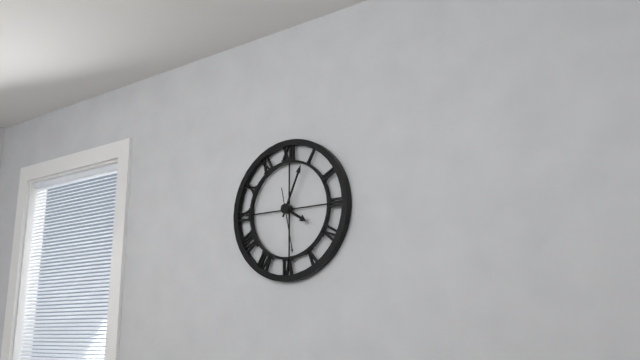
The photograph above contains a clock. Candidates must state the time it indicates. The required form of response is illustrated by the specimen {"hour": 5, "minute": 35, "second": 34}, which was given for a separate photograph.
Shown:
{"hour": 4, "minute": 4, "second": 28}
